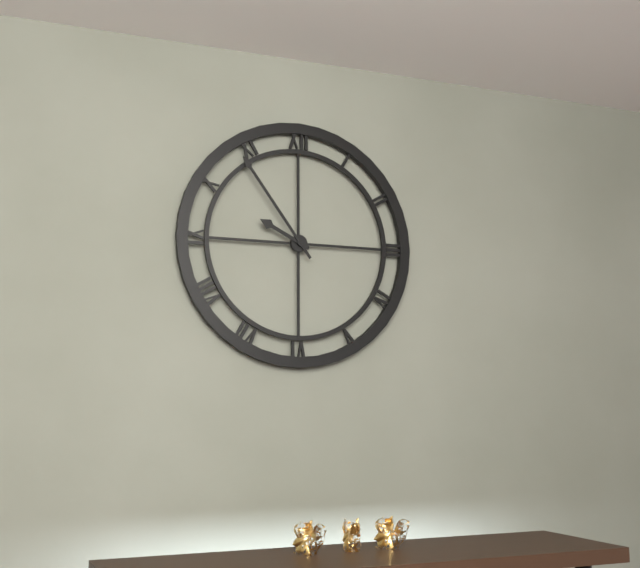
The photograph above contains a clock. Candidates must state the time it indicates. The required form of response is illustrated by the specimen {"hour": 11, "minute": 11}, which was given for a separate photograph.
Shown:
{"hour": 9, "minute": 54}
